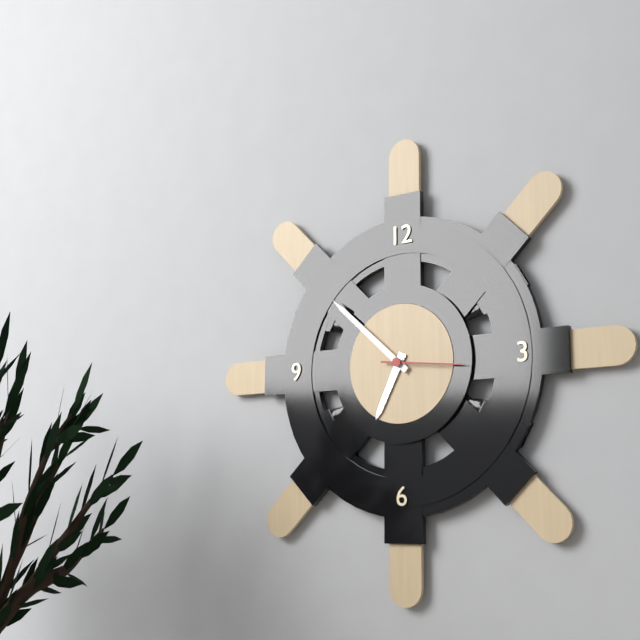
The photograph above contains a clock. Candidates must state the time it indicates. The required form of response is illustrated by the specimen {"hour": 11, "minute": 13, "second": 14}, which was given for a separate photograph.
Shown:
{"hour": 6, "minute": 52, "second": 16}
